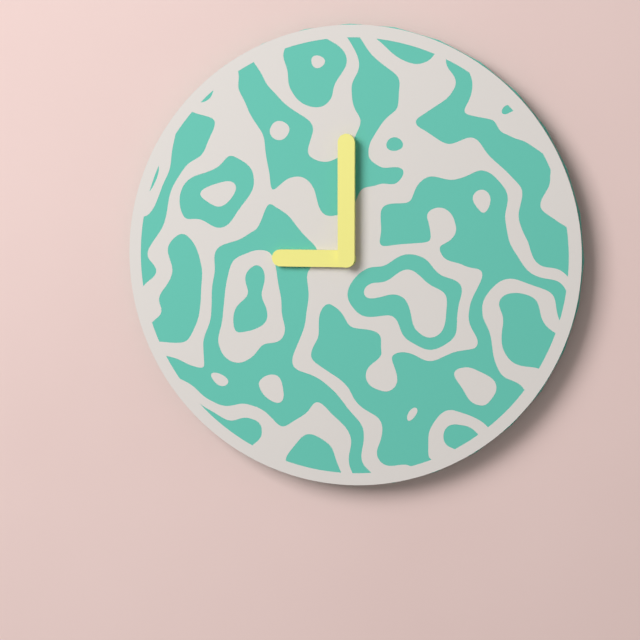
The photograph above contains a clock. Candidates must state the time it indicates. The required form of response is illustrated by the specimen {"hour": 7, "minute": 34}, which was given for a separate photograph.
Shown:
{"hour": 9, "minute": 0}
